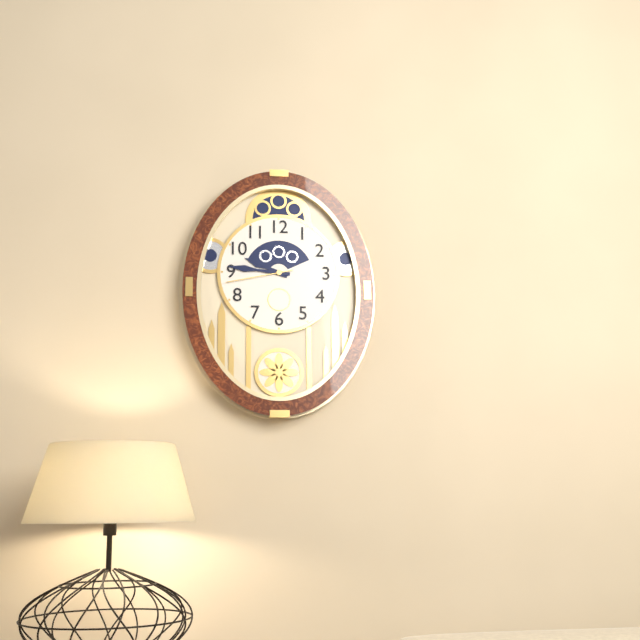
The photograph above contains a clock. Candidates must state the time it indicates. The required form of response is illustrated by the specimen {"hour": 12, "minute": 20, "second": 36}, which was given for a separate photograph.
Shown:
{"hour": 9, "minute": 46, "second": 43}
